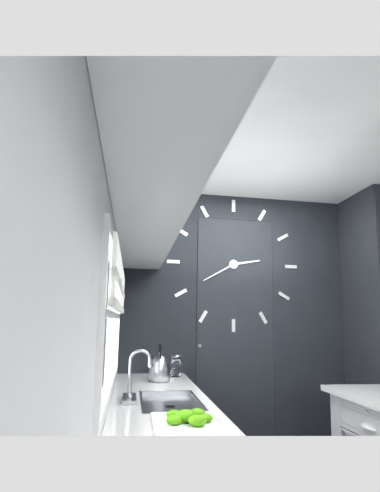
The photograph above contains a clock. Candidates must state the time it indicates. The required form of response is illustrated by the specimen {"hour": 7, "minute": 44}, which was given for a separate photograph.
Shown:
{"hour": 2, "minute": 40}
